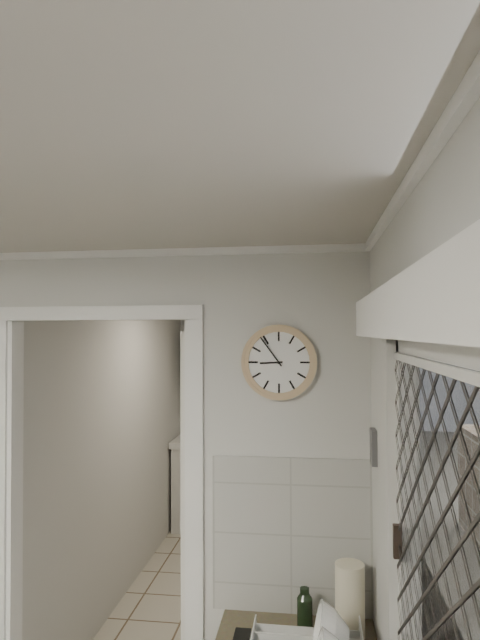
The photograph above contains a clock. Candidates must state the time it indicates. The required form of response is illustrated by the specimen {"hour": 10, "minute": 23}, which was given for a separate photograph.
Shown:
{"hour": 8, "minute": 54}
